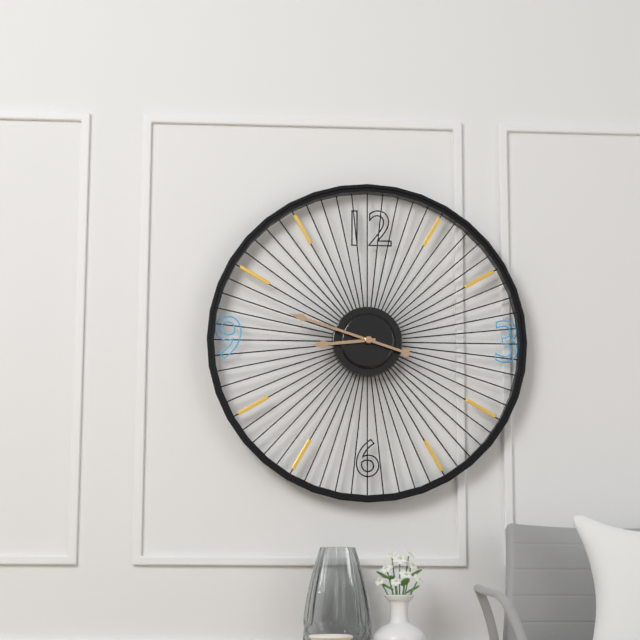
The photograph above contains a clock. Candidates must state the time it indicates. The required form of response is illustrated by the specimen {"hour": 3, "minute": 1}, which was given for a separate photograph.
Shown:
{"hour": 8, "minute": 48}
